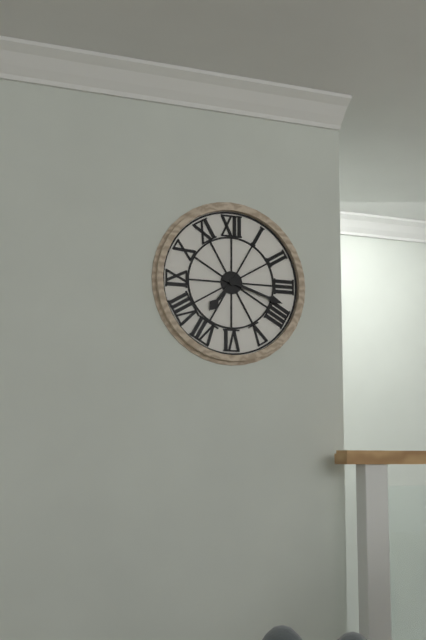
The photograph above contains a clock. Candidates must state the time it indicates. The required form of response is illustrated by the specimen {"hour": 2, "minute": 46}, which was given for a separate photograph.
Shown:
{"hour": 7, "minute": 18}
